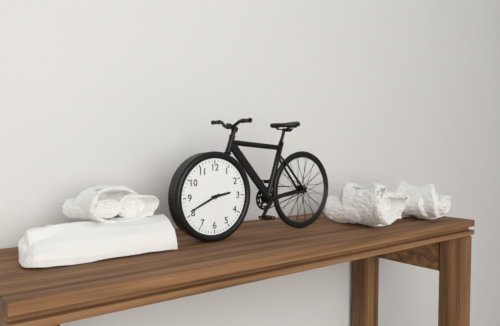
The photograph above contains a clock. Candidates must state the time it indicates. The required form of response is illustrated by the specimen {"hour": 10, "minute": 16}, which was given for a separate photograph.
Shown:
{"hour": 2, "minute": 41}
